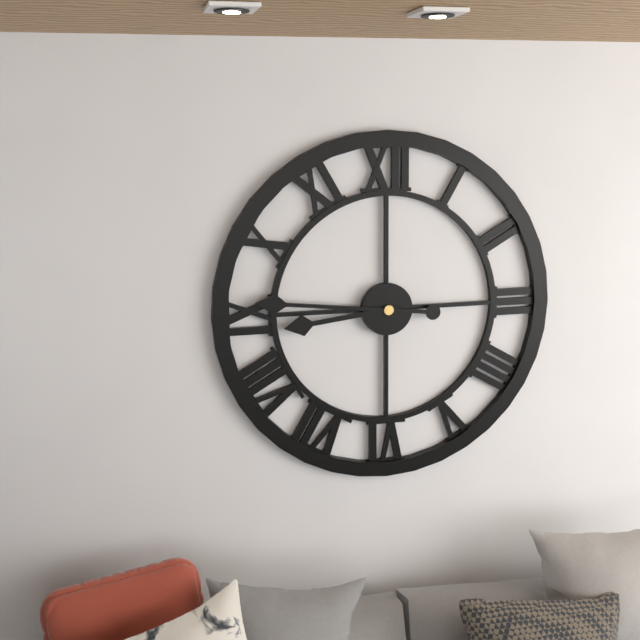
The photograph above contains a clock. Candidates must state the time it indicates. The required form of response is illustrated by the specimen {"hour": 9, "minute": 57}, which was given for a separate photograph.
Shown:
{"hour": 8, "minute": 46}
